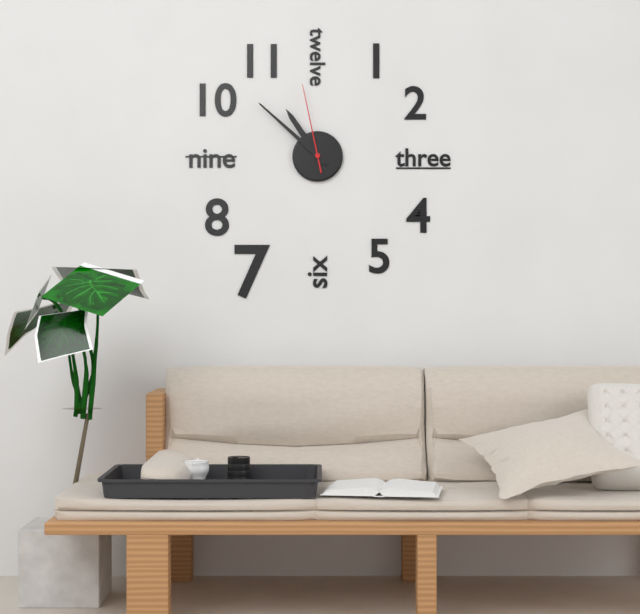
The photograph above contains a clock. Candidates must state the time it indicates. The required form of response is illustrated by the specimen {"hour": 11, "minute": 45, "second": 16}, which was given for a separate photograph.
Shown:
{"hour": 10, "minute": 52, "second": 58}
